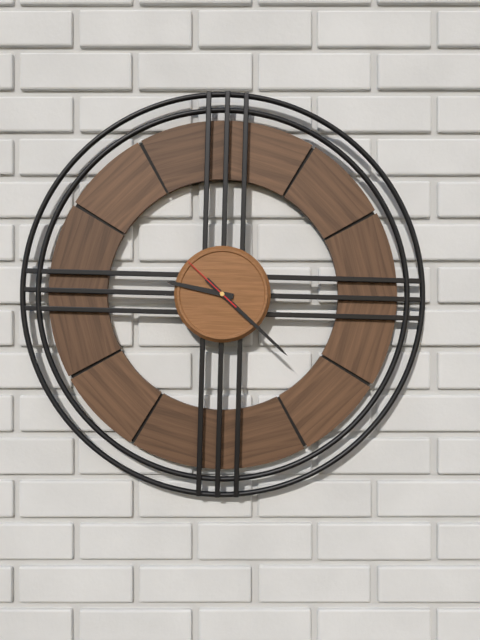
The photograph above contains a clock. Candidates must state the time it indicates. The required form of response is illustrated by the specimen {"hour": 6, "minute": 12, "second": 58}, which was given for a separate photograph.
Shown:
{"hour": 9, "minute": 22, "second": 52}
